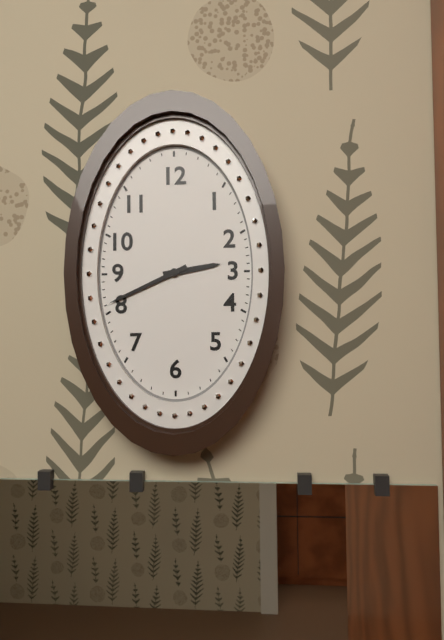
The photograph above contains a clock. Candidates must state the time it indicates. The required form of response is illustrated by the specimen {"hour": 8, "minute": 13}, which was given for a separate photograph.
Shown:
{"hour": 2, "minute": 41}
